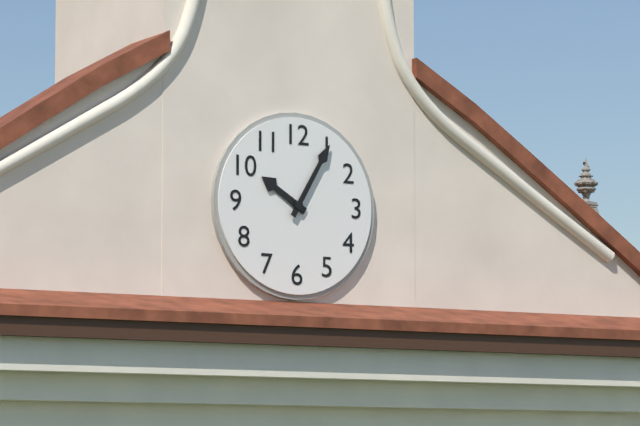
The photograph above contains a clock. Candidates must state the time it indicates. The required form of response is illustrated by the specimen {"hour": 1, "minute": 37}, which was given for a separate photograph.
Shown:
{"hour": 10, "minute": 5}
